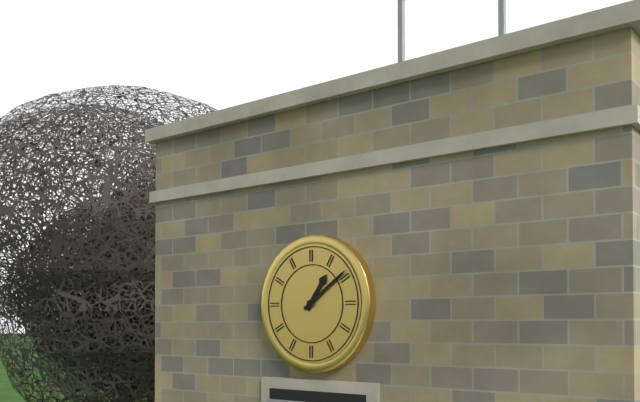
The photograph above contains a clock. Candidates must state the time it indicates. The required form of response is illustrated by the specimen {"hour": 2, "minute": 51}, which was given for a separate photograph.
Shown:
{"hour": 1, "minute": 9}
